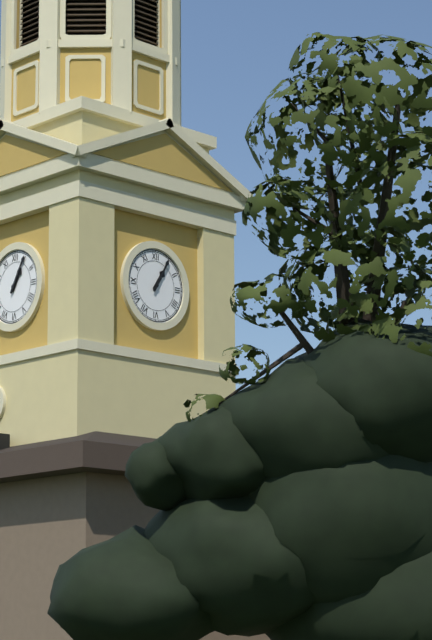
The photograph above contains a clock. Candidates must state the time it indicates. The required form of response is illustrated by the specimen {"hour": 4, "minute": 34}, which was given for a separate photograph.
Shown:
{"hour": 1, "minute": 5}
